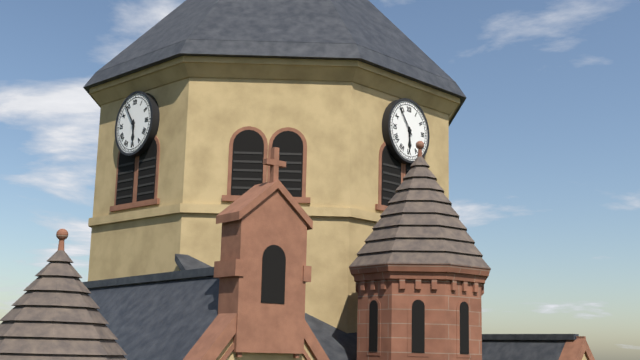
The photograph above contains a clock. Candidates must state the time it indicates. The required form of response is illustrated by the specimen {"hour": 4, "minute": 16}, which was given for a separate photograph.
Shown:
{"hour": 5, "minute": 54}
